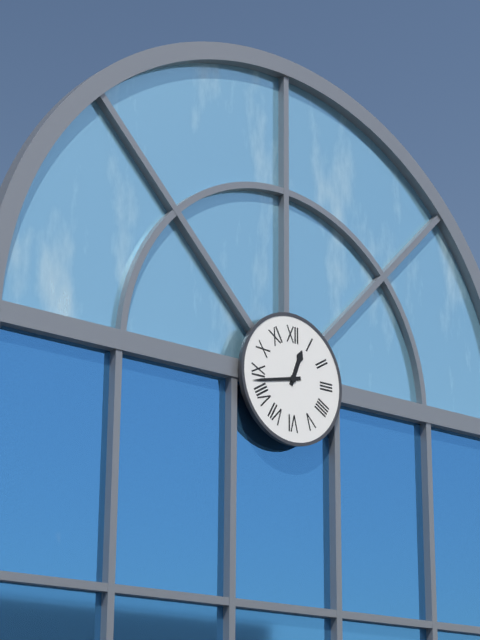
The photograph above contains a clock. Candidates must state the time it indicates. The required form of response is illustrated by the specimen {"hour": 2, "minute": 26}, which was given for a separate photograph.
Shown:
{"hour": 12, "minute": 43}
